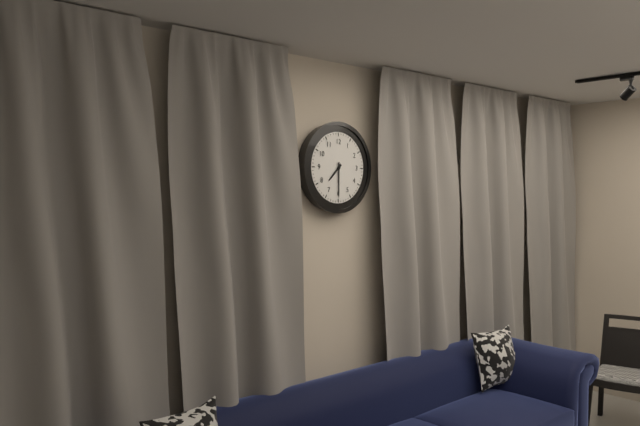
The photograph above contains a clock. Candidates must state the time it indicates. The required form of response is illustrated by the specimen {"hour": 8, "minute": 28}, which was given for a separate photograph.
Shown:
{"hour": 7, "minute": 30}
